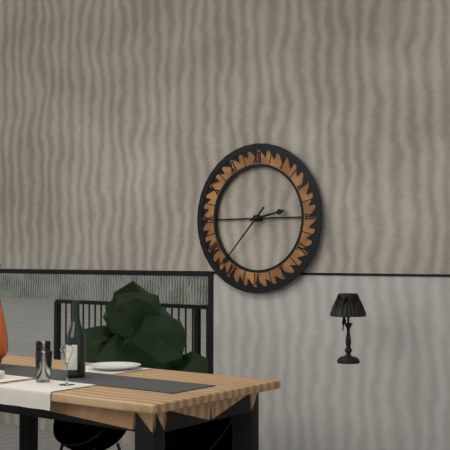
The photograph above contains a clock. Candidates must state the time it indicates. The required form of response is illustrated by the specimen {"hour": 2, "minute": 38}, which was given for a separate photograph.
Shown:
{"hour": 2, "minute": 37}
